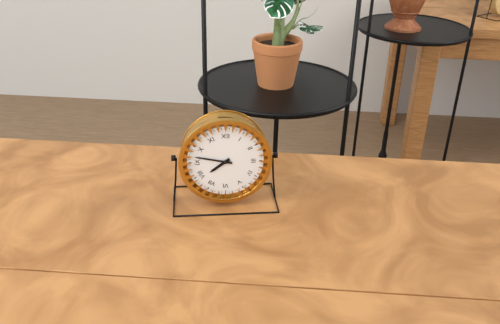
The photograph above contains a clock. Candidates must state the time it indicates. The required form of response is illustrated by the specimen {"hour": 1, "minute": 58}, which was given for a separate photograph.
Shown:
{"hour": 7, "minute": 47}
